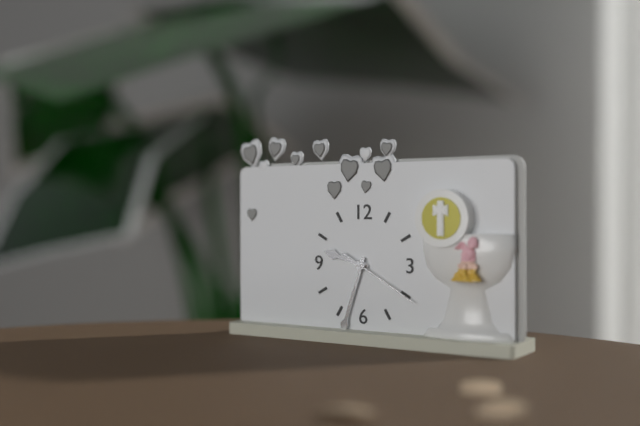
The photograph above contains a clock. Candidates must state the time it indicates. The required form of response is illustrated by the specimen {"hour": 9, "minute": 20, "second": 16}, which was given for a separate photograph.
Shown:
{"hour": 9, "minute": 33, "second": 20}
